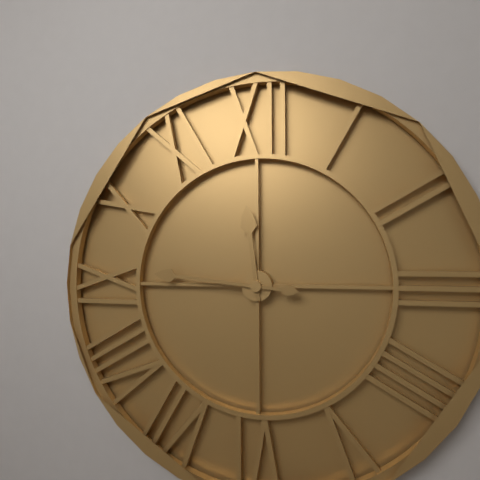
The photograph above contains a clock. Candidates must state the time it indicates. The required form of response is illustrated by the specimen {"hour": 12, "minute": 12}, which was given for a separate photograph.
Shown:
{"hour": 11, "minute": 46}
